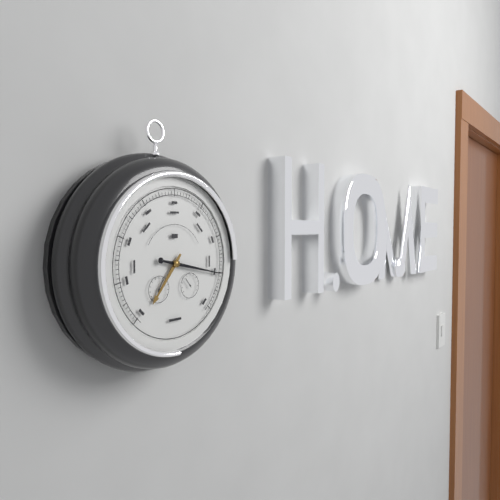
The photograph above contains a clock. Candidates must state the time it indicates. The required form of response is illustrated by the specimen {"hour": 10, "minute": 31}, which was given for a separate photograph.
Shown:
{"hour": 7, "minute": 17}
